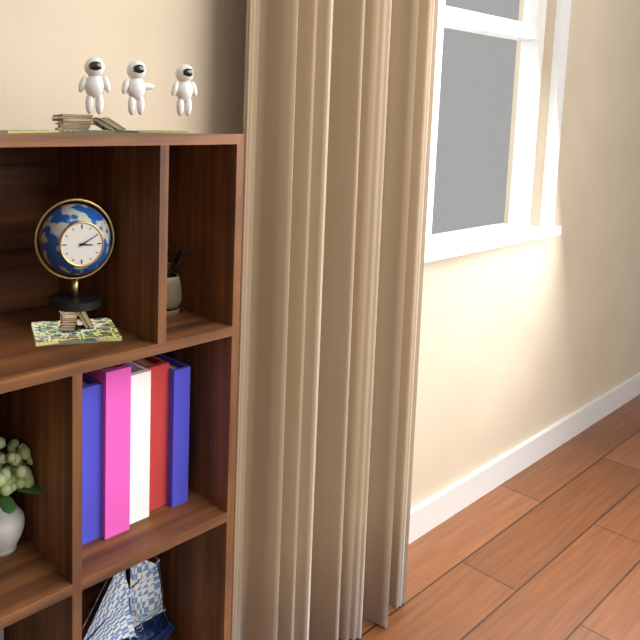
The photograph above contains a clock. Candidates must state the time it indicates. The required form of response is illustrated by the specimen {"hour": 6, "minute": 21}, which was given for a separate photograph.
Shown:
{"hour": 3, "minute": 10}
